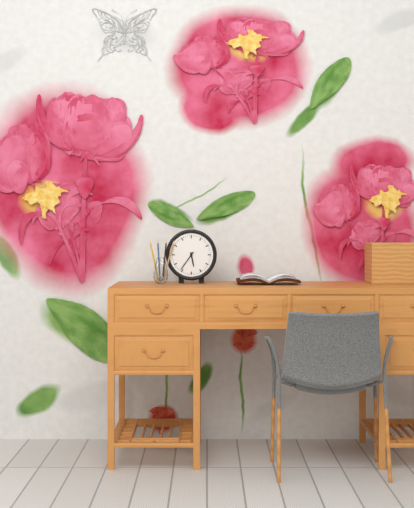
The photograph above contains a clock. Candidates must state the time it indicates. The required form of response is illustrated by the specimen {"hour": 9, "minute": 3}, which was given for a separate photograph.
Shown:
{"hour": 5, "minute": 36}
